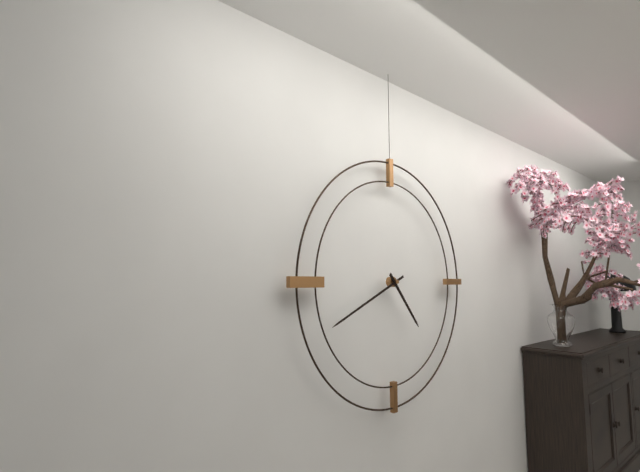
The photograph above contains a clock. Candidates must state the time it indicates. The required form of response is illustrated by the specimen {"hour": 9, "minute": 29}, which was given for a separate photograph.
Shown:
{"hour": 4, "minute": 41}
